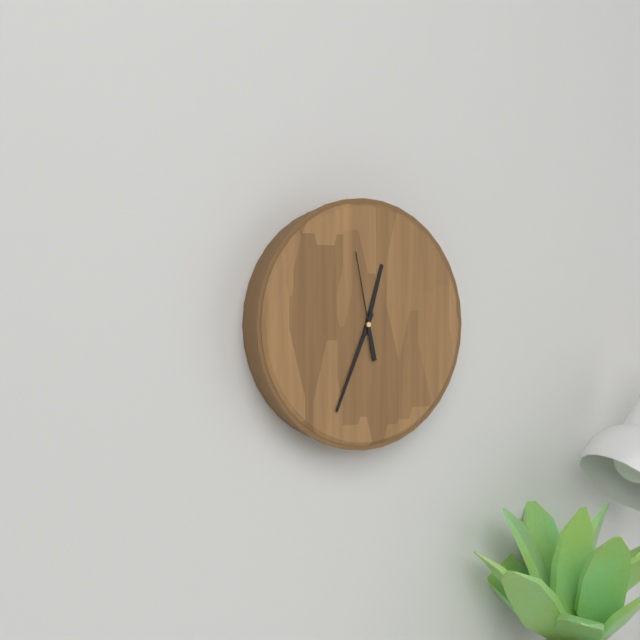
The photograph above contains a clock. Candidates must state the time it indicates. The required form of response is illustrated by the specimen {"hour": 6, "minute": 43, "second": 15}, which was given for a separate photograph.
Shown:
{"hour": 12, "minute": 34, "second": 58}
